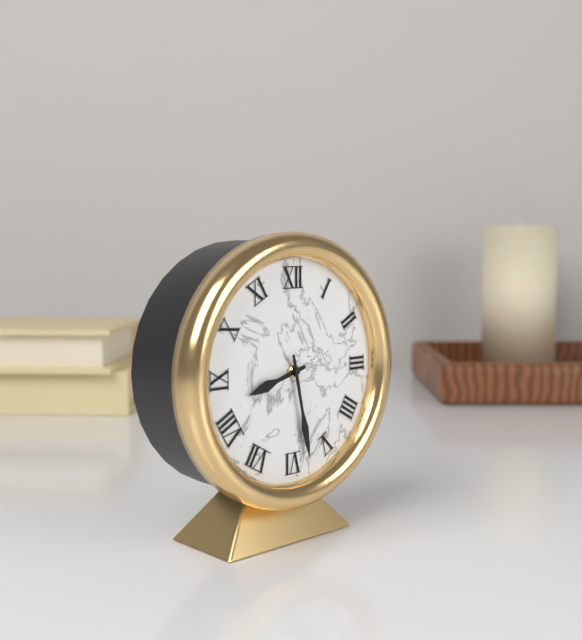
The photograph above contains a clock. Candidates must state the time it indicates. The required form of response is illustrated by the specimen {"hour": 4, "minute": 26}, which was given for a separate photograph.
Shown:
{"hour": 8, "minute": 28}
